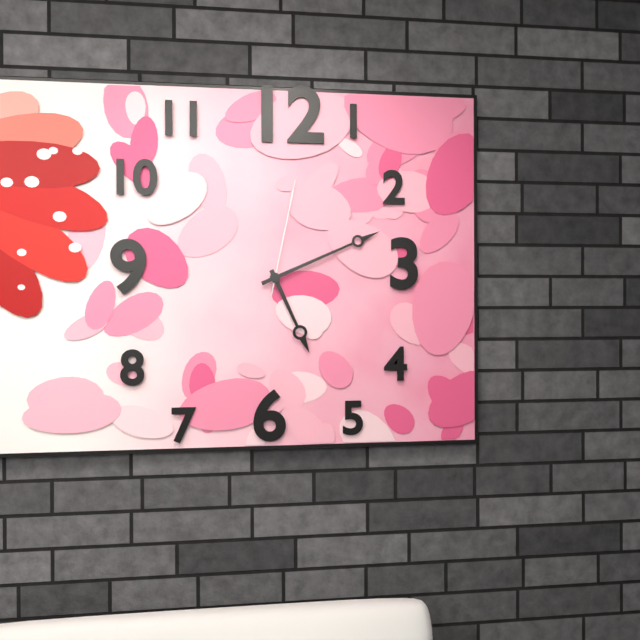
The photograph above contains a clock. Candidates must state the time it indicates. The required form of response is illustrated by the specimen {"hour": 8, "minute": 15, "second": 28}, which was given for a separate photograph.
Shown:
{"hour": 5, "minute": 11, "second": 2}
